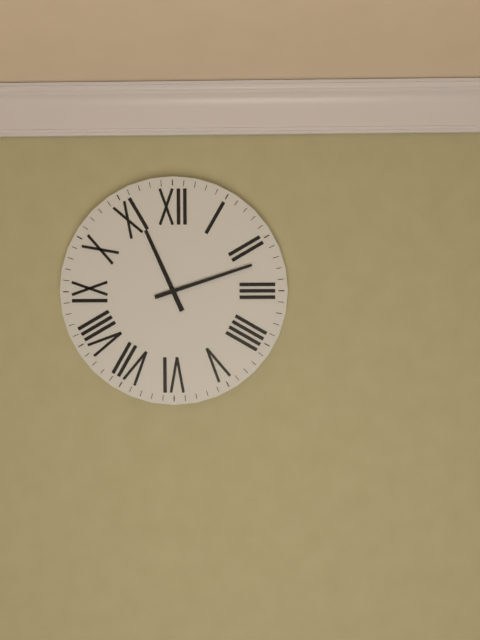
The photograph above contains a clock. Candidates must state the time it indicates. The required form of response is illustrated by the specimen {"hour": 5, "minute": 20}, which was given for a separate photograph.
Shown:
{"hour": 11, "minute": 12}
